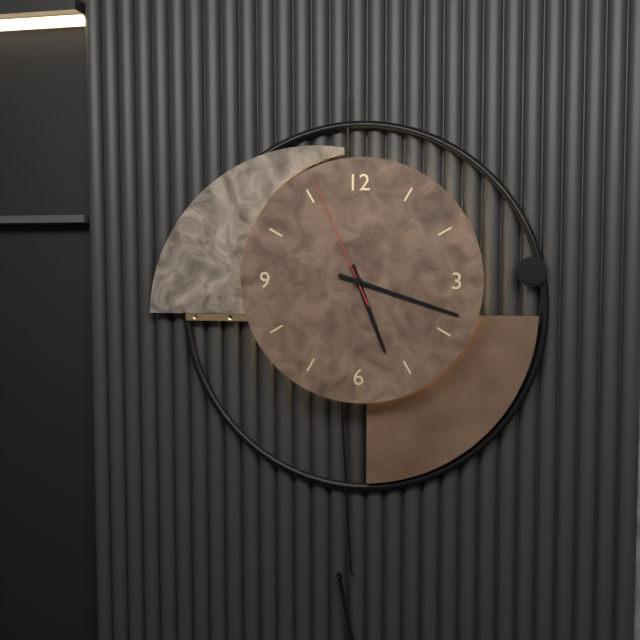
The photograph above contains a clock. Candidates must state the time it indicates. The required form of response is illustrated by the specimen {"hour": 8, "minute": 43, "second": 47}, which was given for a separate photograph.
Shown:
{"hour": 5, "minute": 18, "second": 56}
